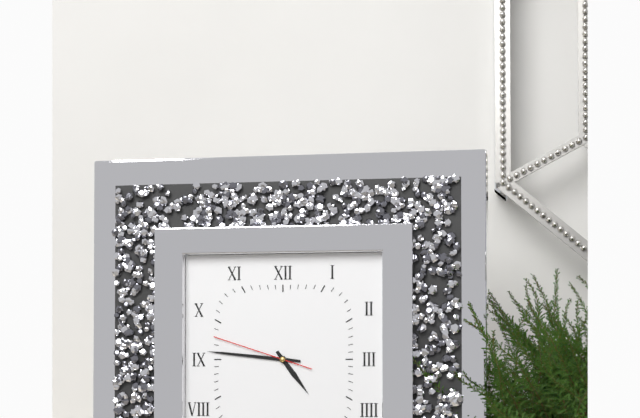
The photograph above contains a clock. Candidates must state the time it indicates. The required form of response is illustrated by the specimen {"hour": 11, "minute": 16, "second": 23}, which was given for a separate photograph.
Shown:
{"hour": 4, "minute": 46, "second": 48}
